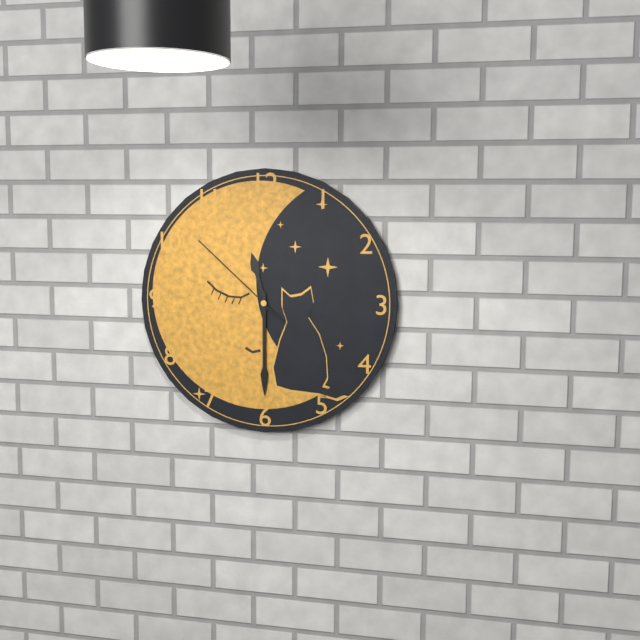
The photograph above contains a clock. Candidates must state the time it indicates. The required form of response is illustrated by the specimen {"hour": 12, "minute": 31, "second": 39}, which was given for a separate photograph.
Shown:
{"hour": 11, "minute": 30, "second": 52}
